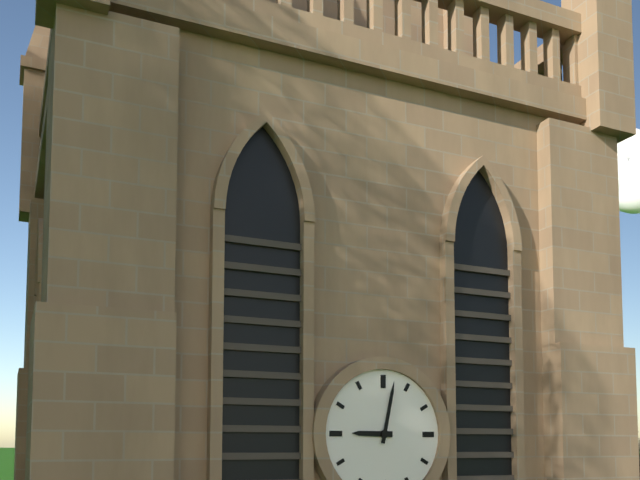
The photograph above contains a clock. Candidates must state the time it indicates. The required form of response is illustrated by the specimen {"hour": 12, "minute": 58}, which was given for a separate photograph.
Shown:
{"hour": 9, "minute": 2}
